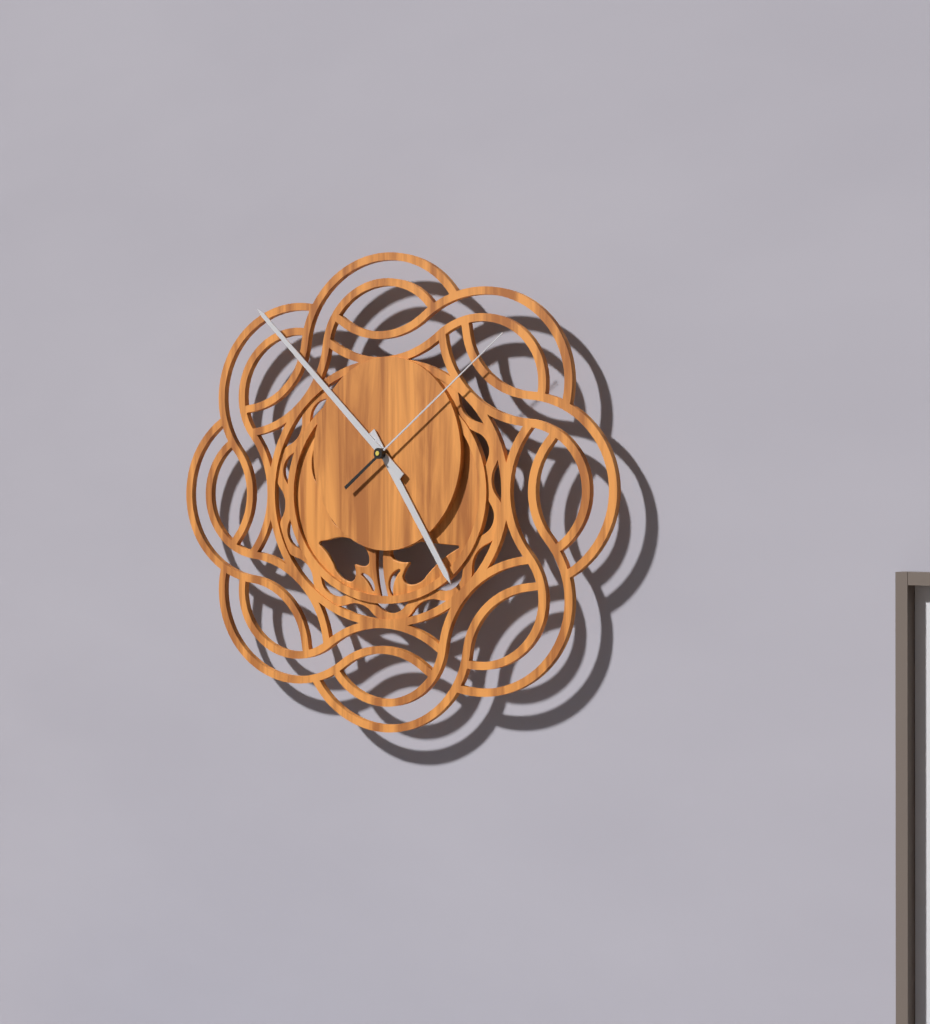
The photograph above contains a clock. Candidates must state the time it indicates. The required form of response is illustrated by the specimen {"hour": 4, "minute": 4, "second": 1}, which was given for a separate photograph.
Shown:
{"hour": 4, "minute": 52, "second": 9}
